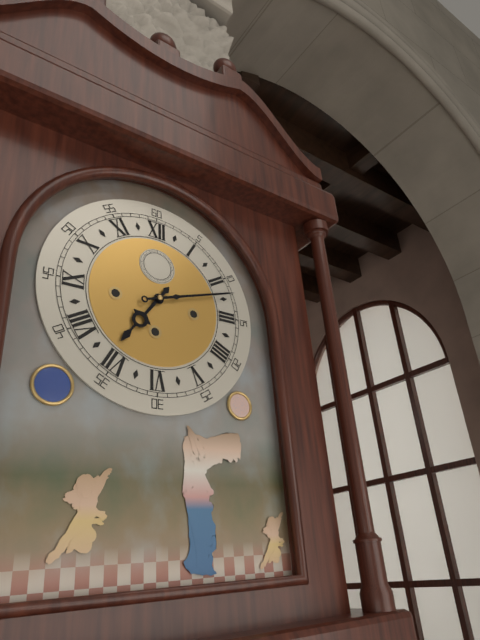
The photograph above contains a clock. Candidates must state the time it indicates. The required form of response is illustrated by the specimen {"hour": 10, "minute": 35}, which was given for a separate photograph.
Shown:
{"hour": 7, "minute": 12}
